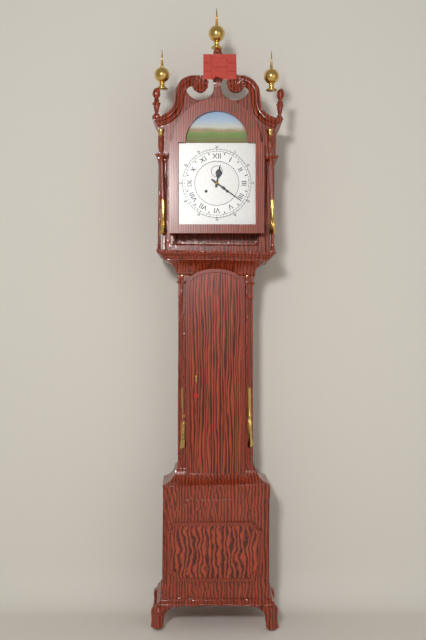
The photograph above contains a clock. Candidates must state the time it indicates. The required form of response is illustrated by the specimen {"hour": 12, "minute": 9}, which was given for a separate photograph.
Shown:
{"hour": 12, "minute": 21}
